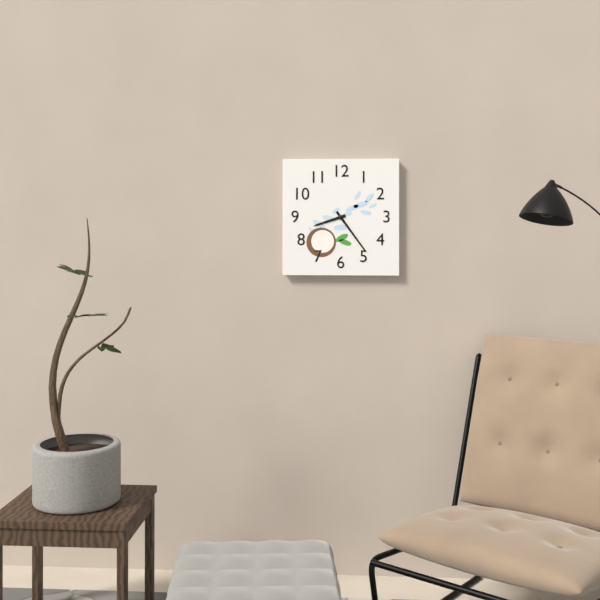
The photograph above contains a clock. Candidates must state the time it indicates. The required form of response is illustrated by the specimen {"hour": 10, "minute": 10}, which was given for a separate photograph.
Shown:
{"hour": 8, "minute": 24}
